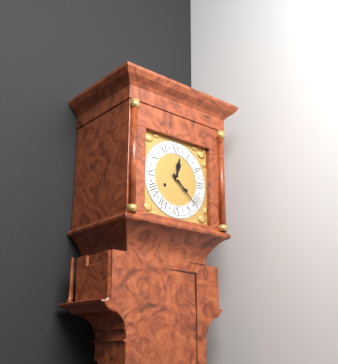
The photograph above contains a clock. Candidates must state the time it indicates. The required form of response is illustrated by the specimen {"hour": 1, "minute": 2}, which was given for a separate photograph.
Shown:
{"hour": 12, "minute": 22}
